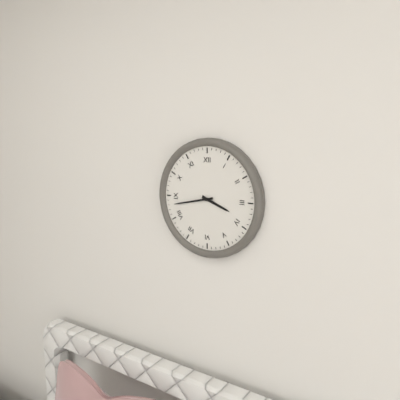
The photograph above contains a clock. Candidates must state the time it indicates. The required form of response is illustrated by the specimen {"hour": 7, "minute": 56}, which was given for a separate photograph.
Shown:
{"hour": 3, "minute": 43}
